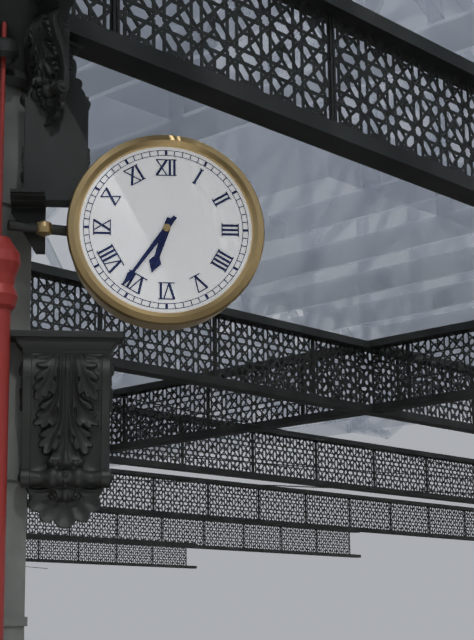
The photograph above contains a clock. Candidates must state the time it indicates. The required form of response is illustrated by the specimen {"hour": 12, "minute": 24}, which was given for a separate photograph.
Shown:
{"hour": 6, "minute": 36}
